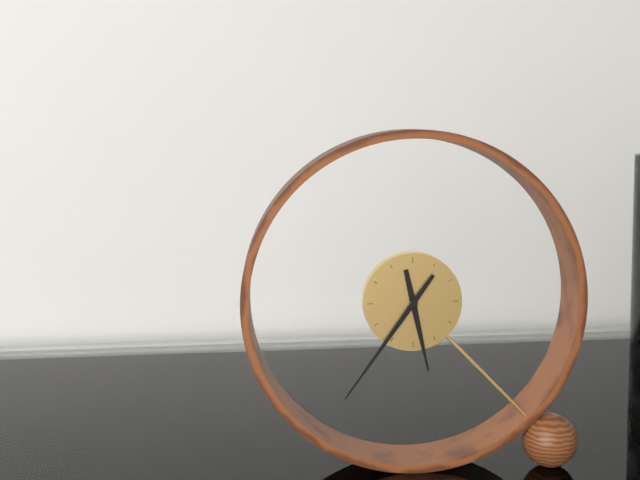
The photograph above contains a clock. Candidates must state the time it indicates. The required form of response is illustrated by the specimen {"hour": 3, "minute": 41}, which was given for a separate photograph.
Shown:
{"hour": 5, "minute": 36}
